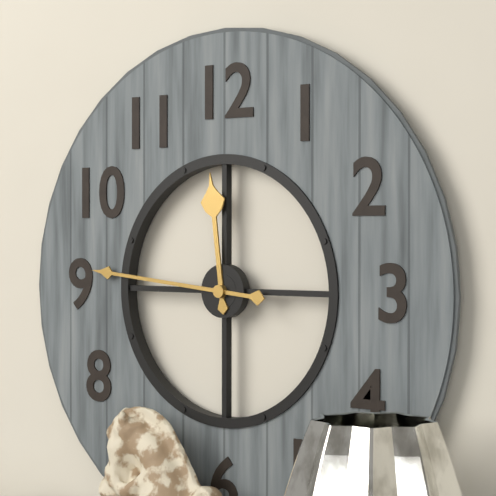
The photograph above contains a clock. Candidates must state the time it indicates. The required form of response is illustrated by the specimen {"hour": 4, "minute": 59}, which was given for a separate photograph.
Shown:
{"hour": 11, "minute": 46}
